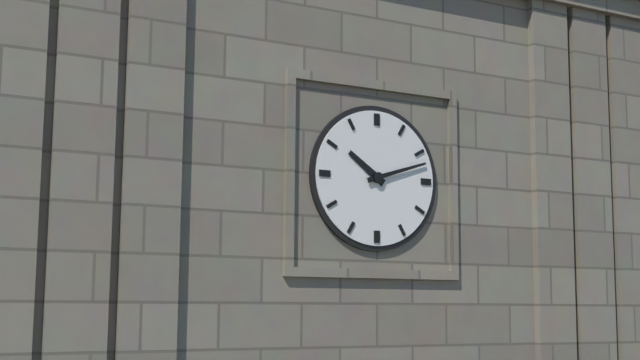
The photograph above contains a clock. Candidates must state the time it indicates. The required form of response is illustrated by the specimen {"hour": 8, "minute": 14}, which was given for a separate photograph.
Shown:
{"hour": 10, "minute": 12}
